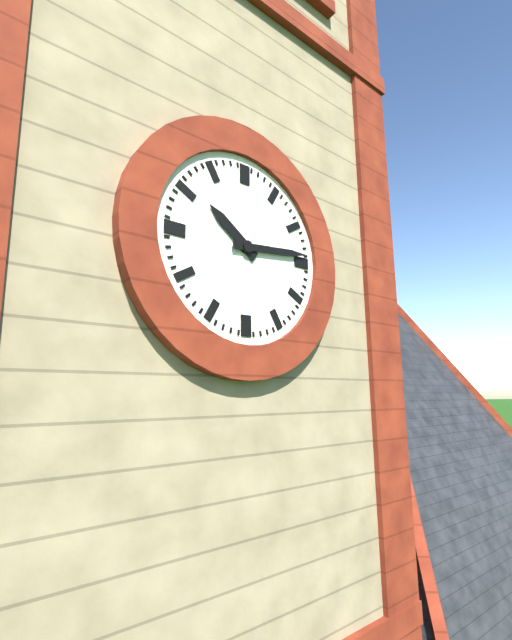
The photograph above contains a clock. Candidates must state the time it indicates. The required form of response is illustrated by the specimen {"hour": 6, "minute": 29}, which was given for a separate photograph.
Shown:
{"hour": 10, "minute": 14}
